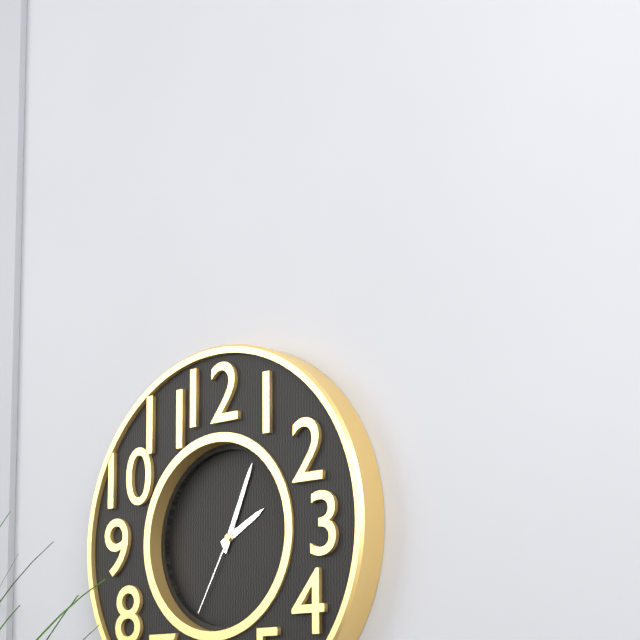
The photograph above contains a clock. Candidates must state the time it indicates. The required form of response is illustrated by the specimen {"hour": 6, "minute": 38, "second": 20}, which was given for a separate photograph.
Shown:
{"hour": 2, "minute": 4, "second": 35}
